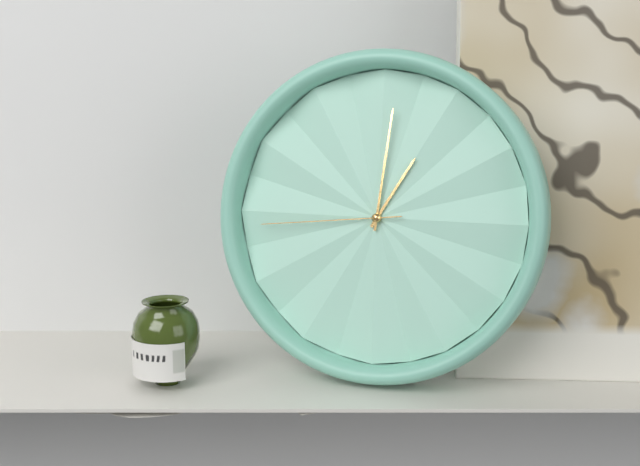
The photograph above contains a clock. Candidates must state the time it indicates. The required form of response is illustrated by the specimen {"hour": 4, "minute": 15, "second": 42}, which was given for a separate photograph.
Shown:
{"hour": 1, "minute": 1, "second": 44}
